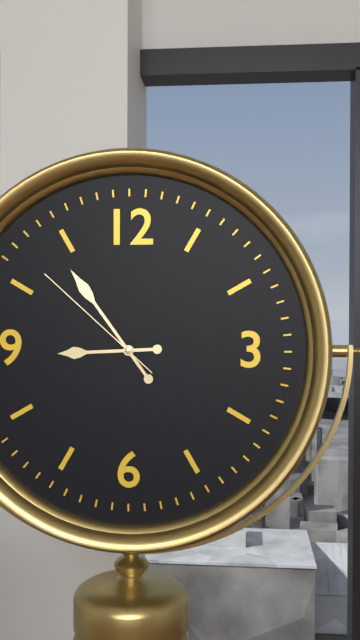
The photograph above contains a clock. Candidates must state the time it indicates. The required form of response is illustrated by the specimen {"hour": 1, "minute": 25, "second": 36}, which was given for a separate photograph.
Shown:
{"hour": 8, "minute": 54, "second": 52}
